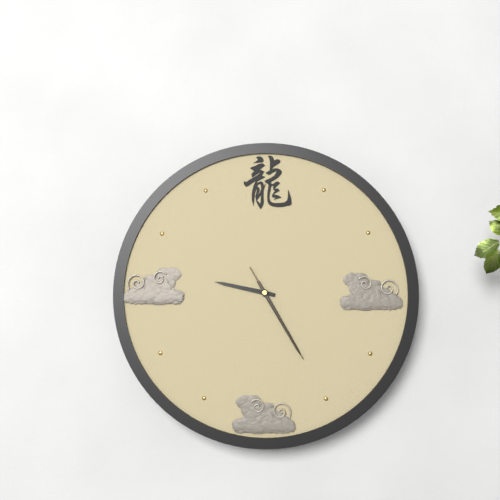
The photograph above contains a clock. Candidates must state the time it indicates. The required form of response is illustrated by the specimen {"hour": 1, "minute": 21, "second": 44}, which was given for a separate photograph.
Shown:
{"hour": 9, "minute": 25, "second": 25}
